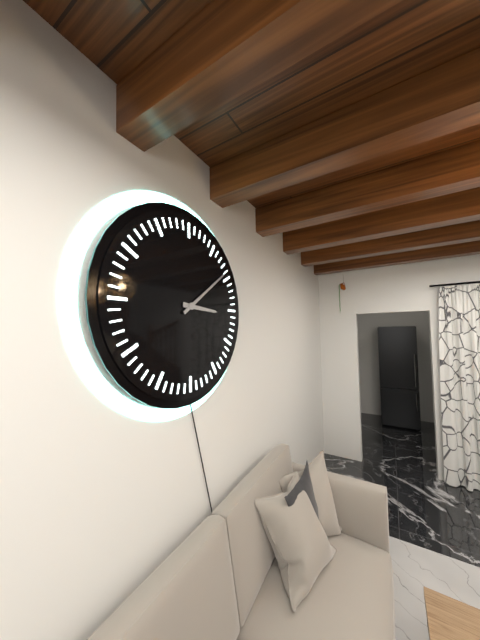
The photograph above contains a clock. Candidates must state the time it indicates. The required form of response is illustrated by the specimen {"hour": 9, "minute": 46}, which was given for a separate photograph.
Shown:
{"hour": 3, "minute": 9}
